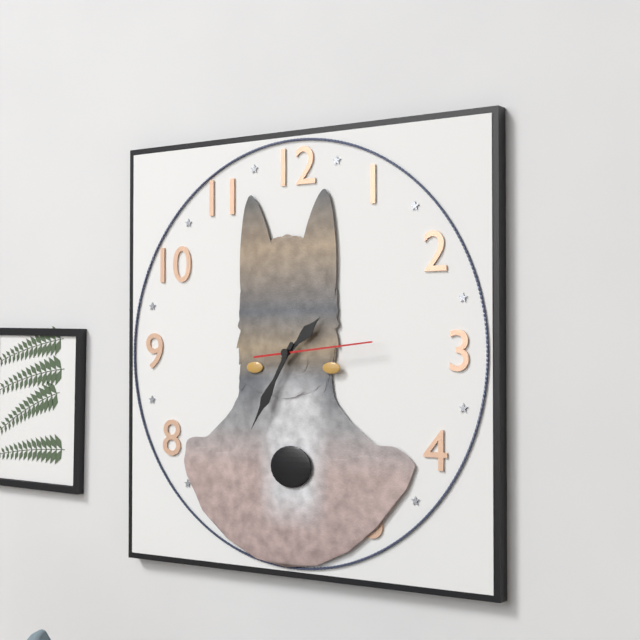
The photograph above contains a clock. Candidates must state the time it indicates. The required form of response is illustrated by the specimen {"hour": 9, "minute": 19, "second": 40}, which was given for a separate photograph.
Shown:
{"hour": 1, "minute": 35, "second": 14}
